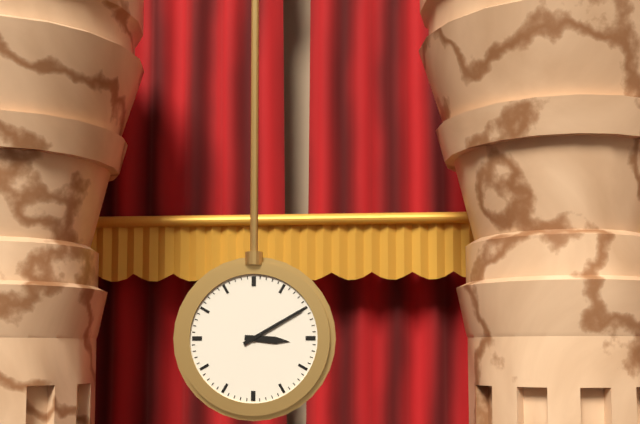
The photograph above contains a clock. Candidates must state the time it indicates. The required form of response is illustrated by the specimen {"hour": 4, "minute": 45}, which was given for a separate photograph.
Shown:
{"hour": 3, "minute": 10}
